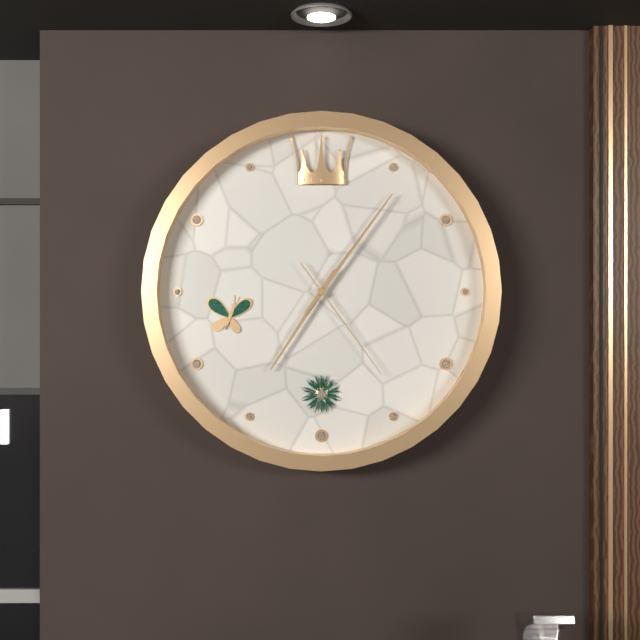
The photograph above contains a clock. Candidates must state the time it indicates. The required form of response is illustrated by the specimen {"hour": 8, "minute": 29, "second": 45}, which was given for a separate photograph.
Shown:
{"hour": 7, "minute": 6, "second": 24}
